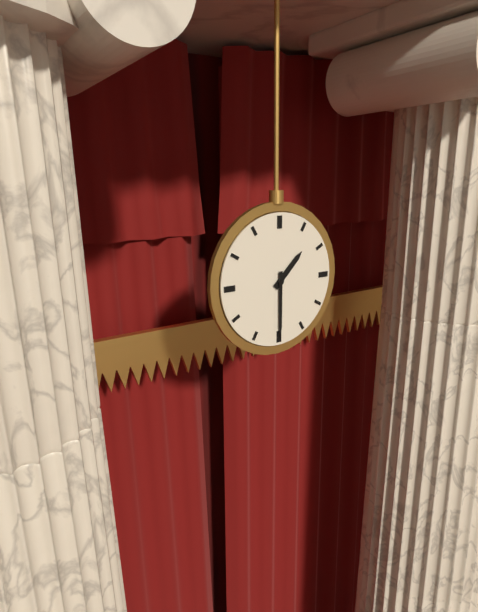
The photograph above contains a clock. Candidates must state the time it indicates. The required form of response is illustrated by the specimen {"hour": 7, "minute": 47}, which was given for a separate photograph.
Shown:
{"hour": 1, "minute": 30}
